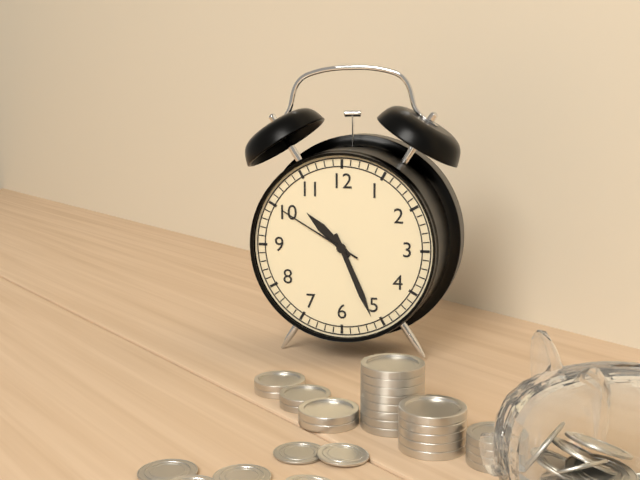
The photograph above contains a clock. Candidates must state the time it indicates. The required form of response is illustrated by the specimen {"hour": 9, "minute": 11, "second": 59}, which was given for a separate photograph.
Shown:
{"hour": 10, "minute": 26, "second": 50}
